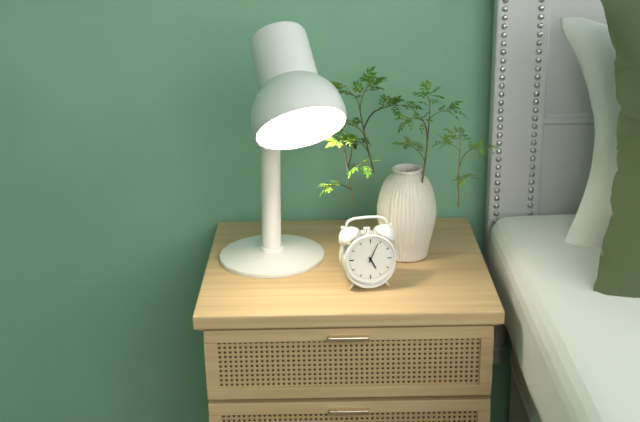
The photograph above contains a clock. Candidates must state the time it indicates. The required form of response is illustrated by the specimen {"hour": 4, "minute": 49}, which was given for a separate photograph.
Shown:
{"hour": 5, "minute": 4}
